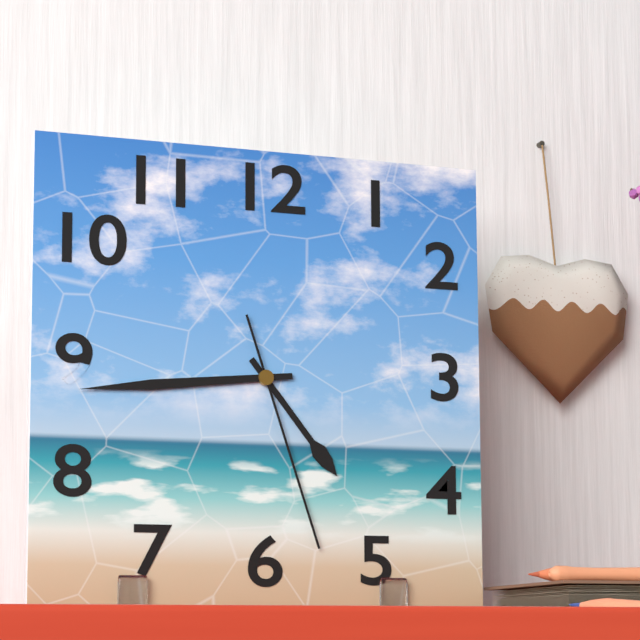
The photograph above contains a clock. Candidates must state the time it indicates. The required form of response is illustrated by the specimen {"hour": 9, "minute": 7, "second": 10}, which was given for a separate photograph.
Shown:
{"hour": 4, "minute": 44, "second": 27}
